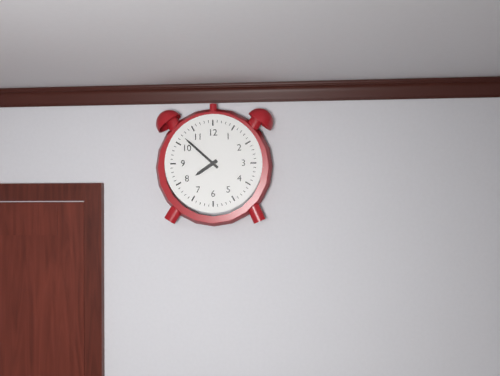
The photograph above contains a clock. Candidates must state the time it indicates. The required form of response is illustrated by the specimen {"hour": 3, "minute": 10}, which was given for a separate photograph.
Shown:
{"hour": 7, "minute": 52}
